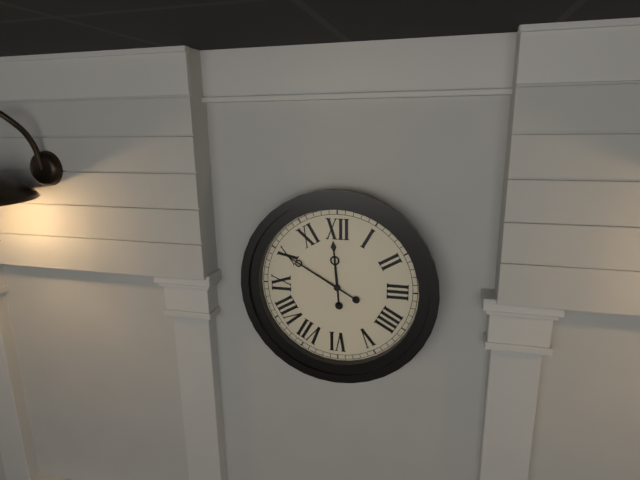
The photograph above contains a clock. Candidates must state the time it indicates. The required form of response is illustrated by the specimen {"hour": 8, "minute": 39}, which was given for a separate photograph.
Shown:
{"hour": 11, "minute": 50}
